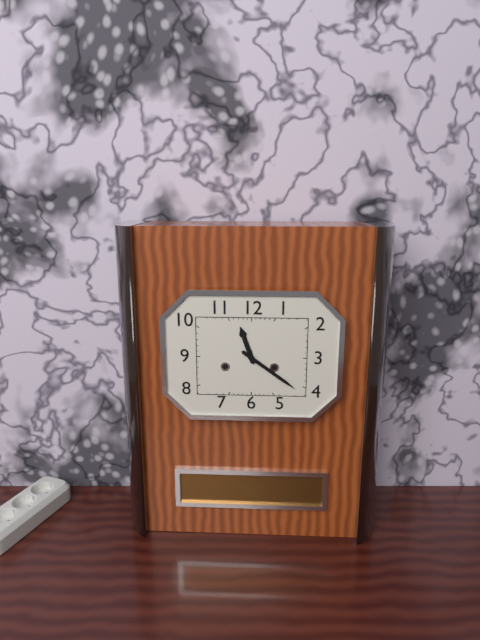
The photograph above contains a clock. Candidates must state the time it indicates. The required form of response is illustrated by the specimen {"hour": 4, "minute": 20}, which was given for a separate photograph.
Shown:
{"hour": 11, "minute": 21}
